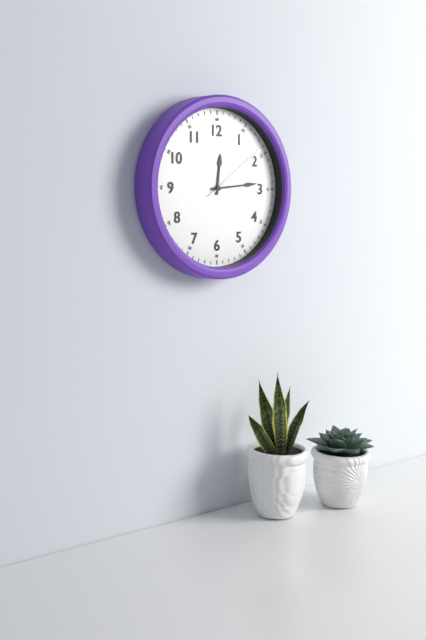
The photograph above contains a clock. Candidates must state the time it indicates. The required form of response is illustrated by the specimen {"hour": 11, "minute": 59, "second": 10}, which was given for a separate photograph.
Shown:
{"hour": 12, "minute": 14, "second": 9}
